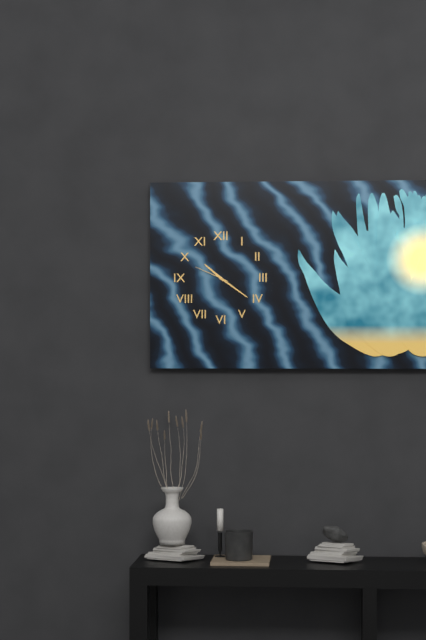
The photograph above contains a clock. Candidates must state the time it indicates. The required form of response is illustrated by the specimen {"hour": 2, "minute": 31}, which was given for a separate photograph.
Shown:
{"hour": 10, "minute": 21}
